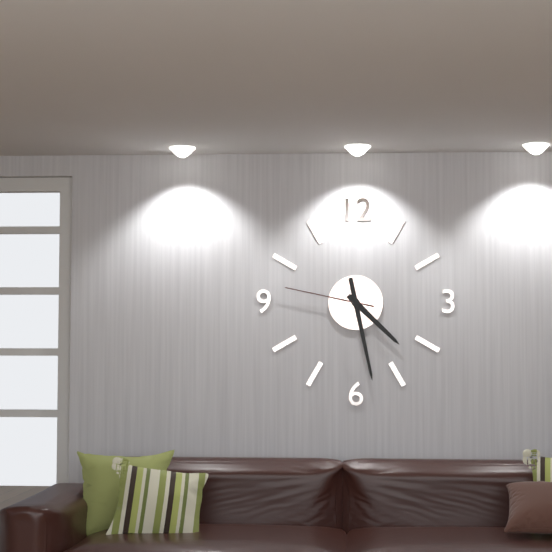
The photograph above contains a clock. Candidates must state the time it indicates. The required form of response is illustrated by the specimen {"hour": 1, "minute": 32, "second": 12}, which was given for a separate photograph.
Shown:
{"hour": 4, "minute": 28, "second": 47}
